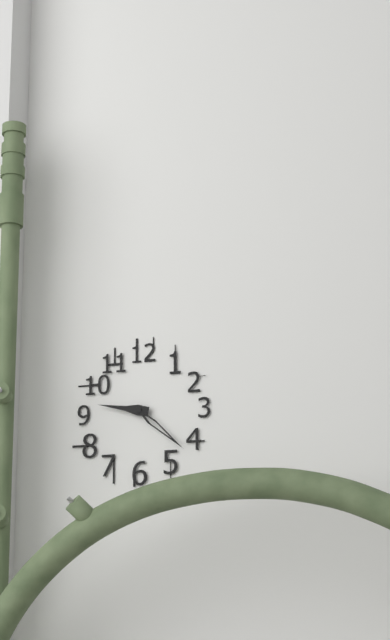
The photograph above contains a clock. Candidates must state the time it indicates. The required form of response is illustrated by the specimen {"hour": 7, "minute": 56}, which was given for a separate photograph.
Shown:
{"hour": 9, "minute": 22}
